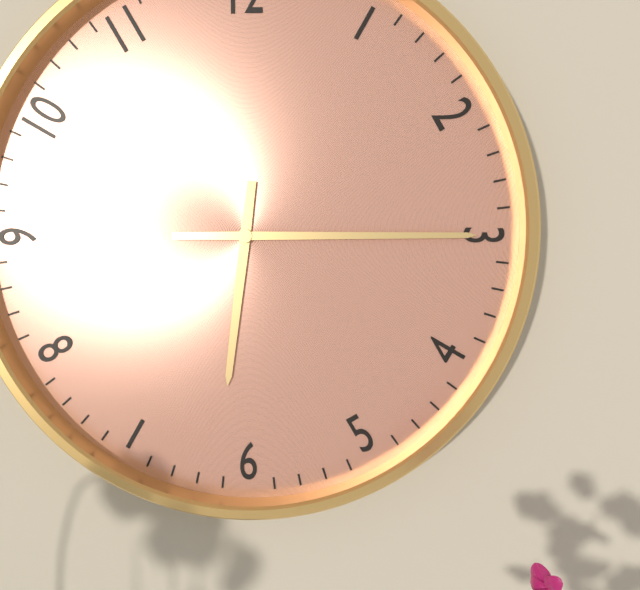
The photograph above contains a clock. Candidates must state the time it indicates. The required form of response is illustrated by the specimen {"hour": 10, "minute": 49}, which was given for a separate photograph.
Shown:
{"hour": 6, "minute": 15}
